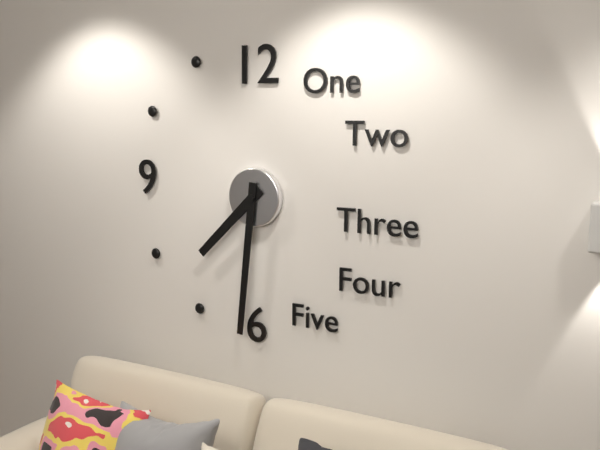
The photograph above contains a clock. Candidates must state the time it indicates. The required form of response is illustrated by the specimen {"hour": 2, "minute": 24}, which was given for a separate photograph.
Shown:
{"hour": 7, "minute": 31}
